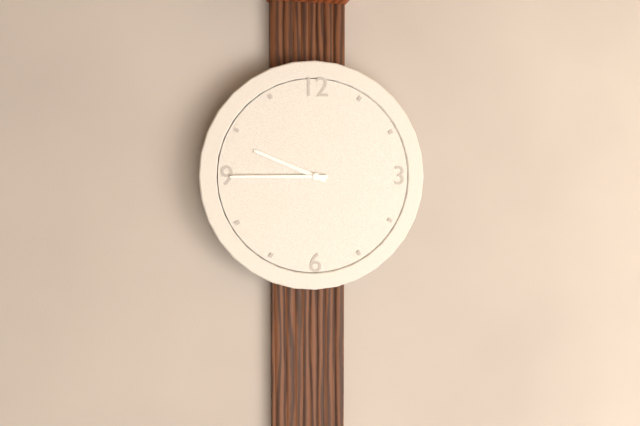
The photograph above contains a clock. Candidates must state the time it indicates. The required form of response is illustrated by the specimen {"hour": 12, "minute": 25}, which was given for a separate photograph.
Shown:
{"hour": 9, "minute": 45}
